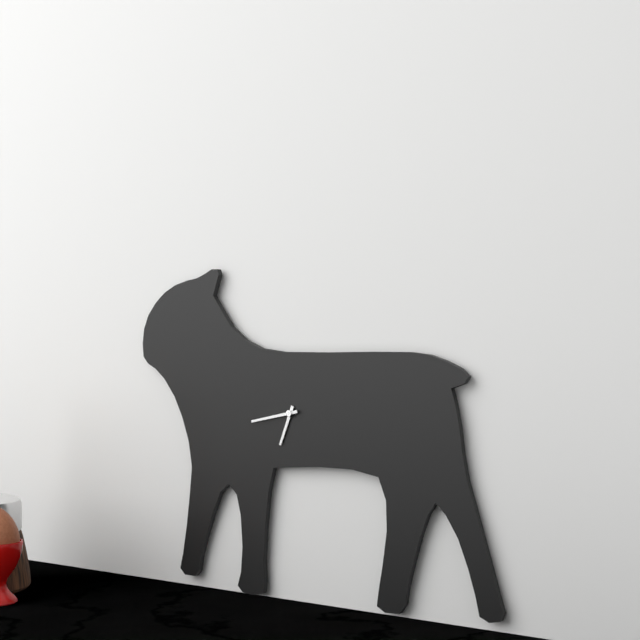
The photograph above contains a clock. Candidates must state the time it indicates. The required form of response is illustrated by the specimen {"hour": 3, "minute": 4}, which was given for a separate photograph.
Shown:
{"hour": 6, "minute": 43}
